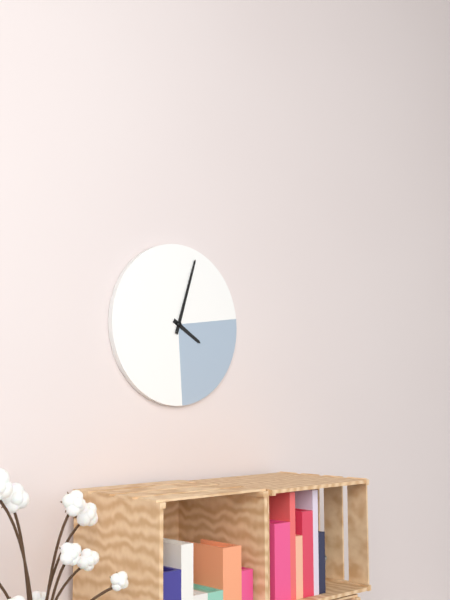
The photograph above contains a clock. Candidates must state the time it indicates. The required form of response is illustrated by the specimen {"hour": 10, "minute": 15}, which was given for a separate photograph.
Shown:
{"hour": 4, "minute": 3}
